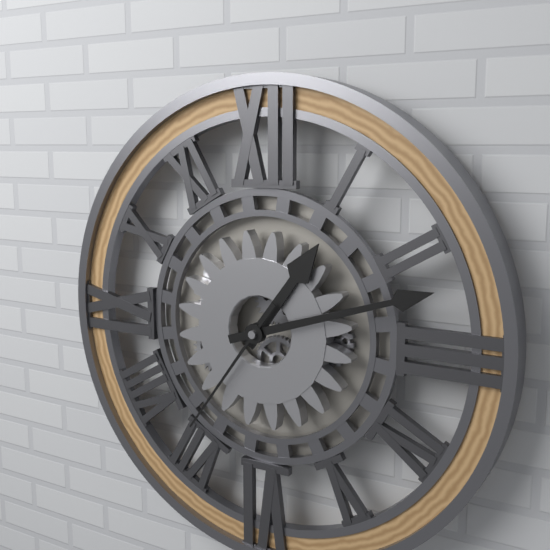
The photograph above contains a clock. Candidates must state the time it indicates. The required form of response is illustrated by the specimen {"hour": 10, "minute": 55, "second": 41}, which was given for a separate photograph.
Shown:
{"hour": 1, "minute": 12, "second": 36}
